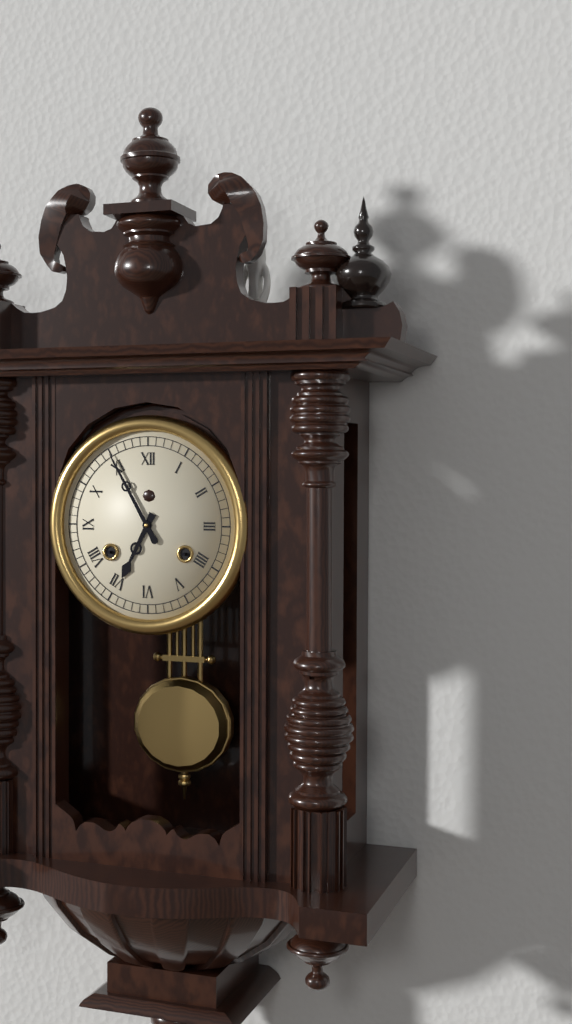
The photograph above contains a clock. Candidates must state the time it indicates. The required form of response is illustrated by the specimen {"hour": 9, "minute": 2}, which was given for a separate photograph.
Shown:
{"hour": 6, "minute": 55}
